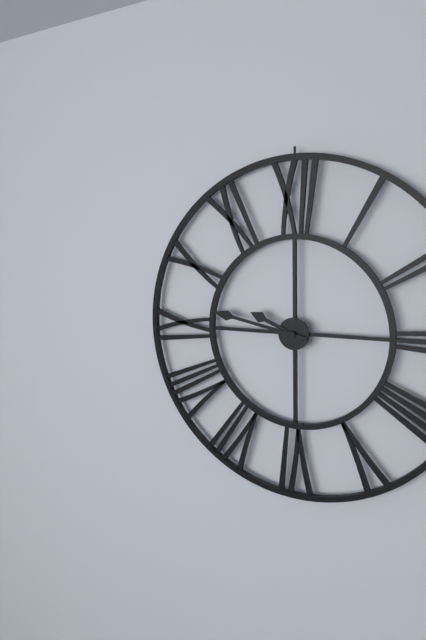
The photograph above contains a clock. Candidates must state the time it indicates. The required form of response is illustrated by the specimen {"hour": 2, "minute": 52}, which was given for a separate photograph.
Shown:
{"hour": 9, "minute": 47}
